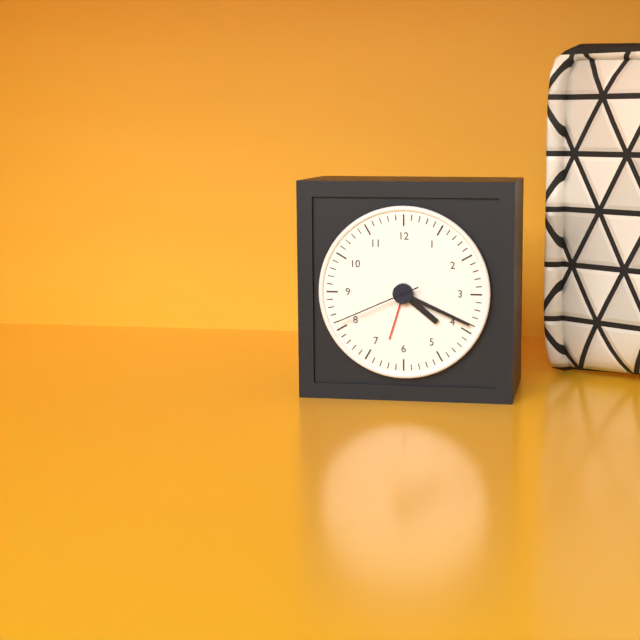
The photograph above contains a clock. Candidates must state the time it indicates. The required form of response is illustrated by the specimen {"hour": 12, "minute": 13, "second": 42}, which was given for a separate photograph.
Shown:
{"hour": 4, "minute": 19, "second": 41}
